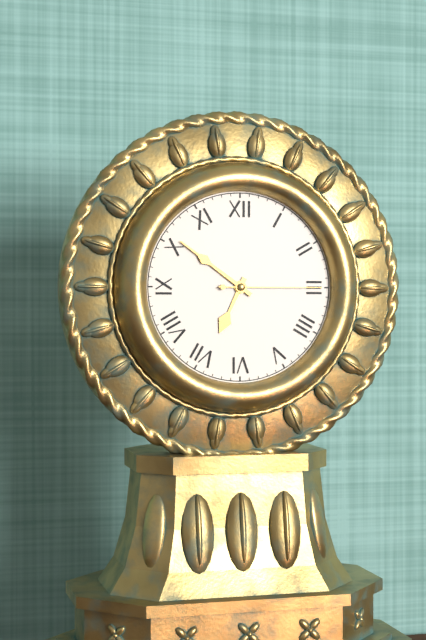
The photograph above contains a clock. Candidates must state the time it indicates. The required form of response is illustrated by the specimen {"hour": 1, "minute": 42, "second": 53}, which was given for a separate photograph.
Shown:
{"hour": 6, "minute": 51, "second": 15}
